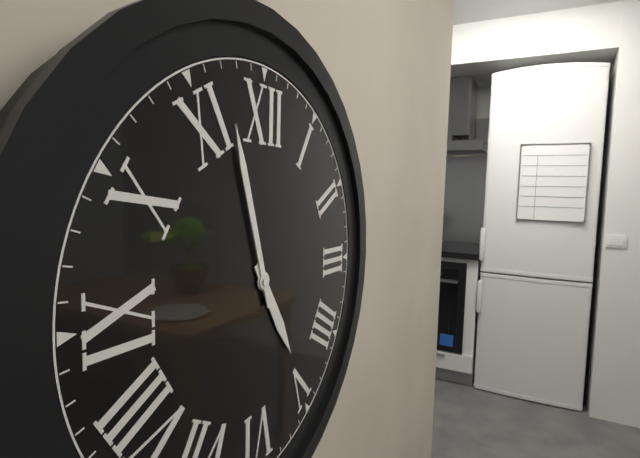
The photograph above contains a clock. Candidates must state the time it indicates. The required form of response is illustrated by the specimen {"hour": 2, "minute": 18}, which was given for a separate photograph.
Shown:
{"hour": 4, "minute": 57}
